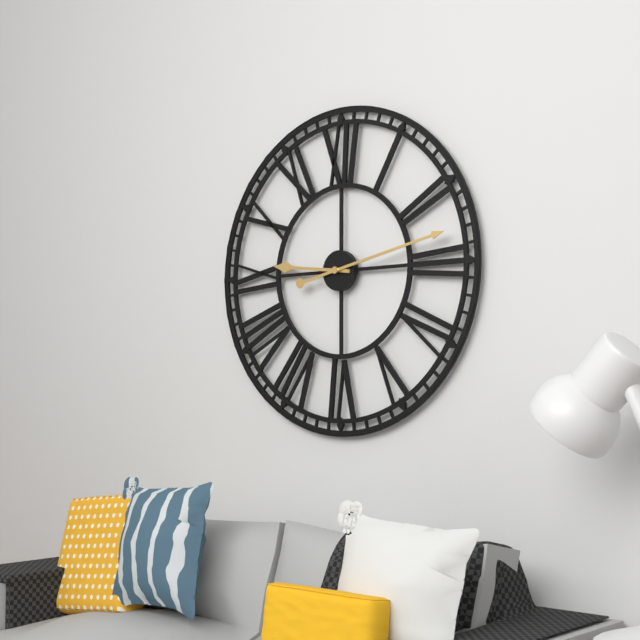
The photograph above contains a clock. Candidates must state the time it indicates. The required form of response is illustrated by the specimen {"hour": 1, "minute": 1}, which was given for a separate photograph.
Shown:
{"hour": 9, "minute": 13}
